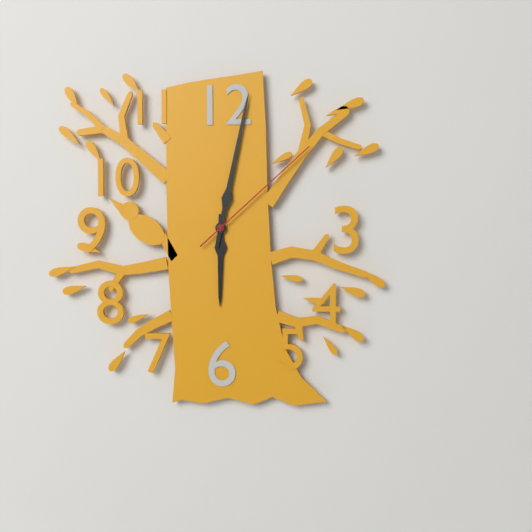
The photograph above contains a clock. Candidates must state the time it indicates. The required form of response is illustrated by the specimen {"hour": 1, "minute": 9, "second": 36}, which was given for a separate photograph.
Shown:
{"hour": 6, "minute": 2, "second": 8}
